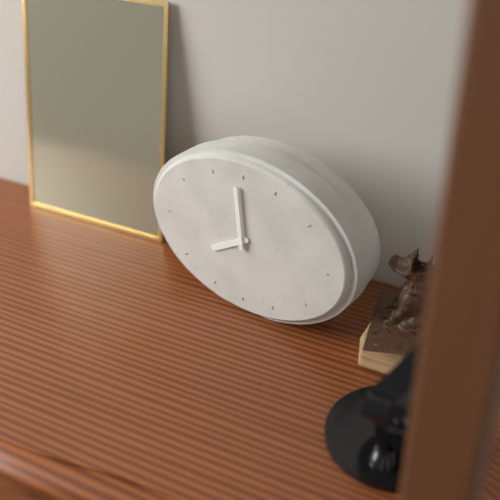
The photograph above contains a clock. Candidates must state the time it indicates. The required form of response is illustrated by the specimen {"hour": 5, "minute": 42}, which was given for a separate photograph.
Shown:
{"hour": 7, "minute": 59}
